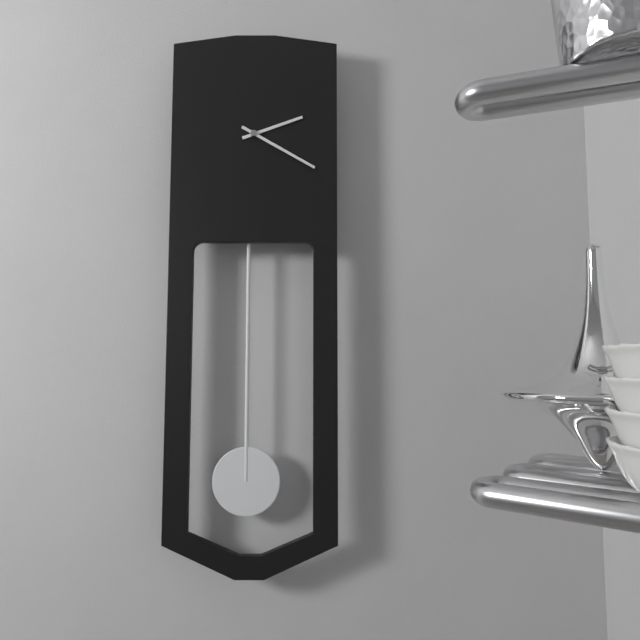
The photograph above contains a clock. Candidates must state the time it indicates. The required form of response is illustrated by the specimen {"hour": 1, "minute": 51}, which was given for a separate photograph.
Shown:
{"hour": 2, "minute": 20}
